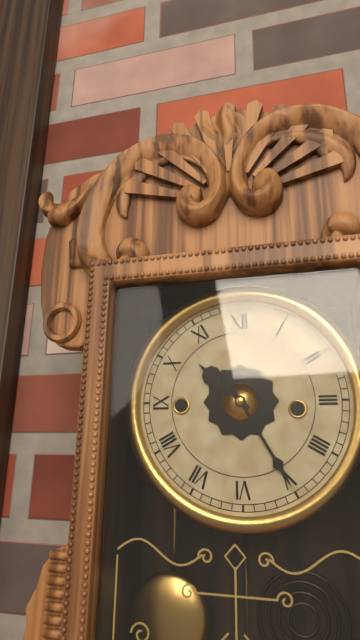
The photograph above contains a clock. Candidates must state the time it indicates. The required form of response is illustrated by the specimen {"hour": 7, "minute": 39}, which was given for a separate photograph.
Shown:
{"hour": 10, "minute": 25}
